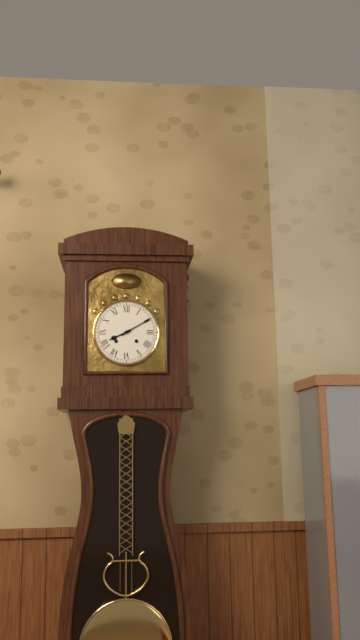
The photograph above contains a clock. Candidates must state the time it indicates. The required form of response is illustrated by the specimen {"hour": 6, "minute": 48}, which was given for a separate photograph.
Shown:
{"hour": 8, "minute": 10}
